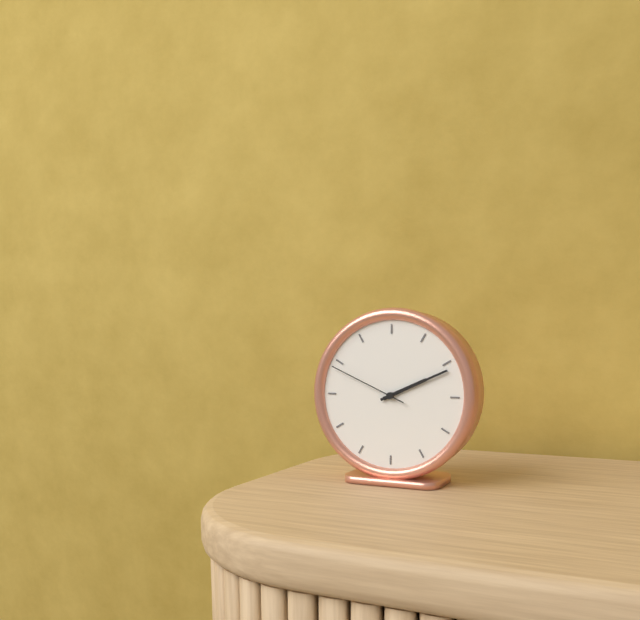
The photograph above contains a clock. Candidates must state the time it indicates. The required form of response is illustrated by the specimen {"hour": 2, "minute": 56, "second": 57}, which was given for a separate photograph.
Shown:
{"hour": 2, "minute": 11, "second": 49}
